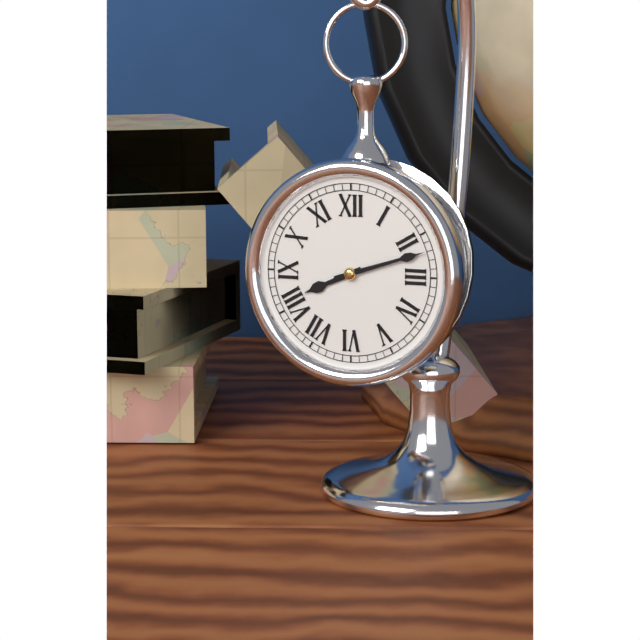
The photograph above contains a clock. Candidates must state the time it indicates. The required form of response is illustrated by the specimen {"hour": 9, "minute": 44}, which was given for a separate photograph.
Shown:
{"hour": 8, "minute": 12}
